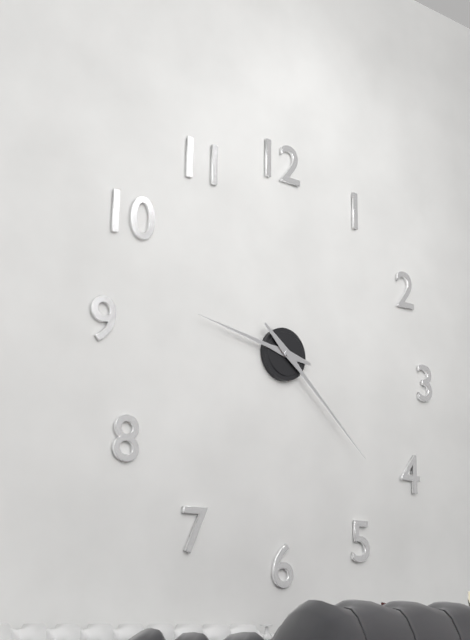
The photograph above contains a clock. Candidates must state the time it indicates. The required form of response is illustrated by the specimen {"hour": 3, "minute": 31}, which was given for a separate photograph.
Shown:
{"hour": 9, "minute": 22}
